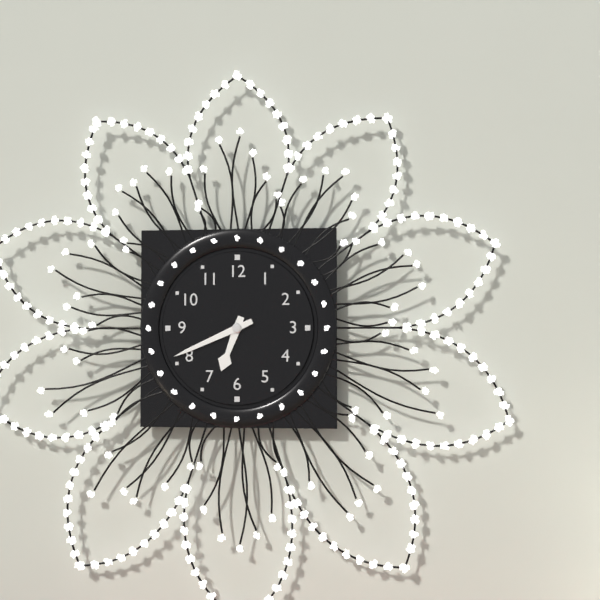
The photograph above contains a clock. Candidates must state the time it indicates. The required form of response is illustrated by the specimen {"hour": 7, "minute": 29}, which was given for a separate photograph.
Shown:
{"hour": 6, "minute": 41}
